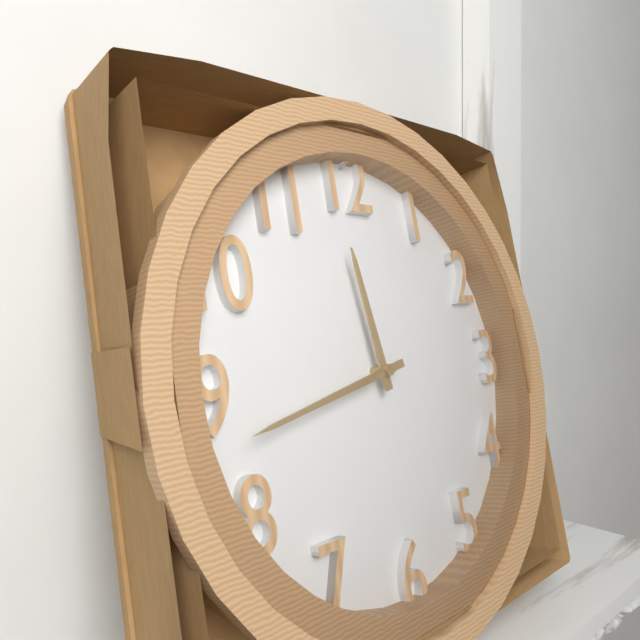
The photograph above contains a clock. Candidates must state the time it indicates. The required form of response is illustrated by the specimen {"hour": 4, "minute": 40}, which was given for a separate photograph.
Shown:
{"hour": 11, "minute": 43}
